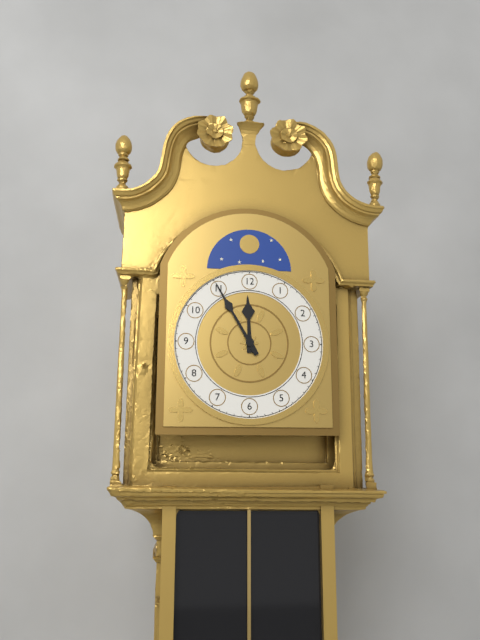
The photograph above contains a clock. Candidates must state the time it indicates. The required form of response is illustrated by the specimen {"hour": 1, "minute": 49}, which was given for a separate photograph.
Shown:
{"hour": 11, "minute": 55}
